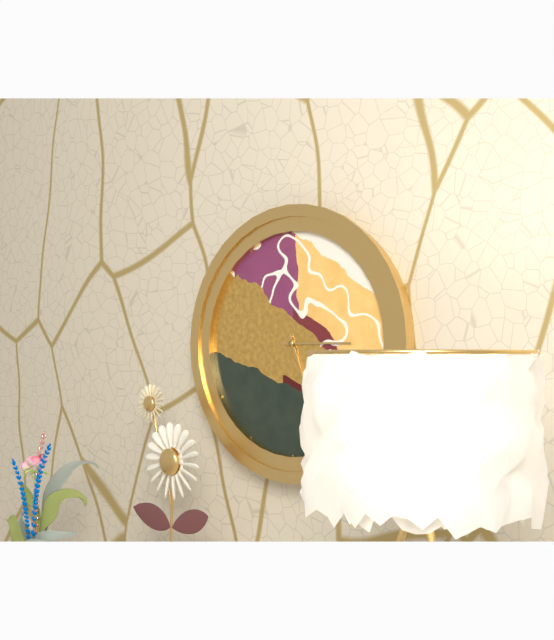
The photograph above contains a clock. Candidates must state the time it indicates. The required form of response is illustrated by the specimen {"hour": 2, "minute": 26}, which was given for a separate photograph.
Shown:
{"hour": 5, "minute": 15}
